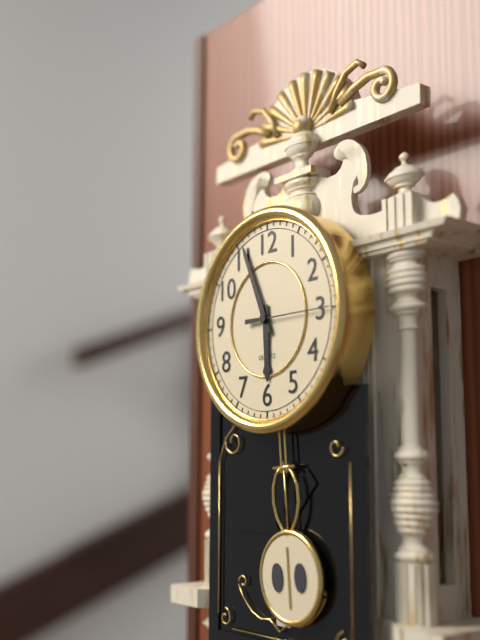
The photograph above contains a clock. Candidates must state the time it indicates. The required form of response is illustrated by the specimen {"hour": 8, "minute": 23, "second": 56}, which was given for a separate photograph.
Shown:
{"hour": 5, "minute": 56, "second": 15}
